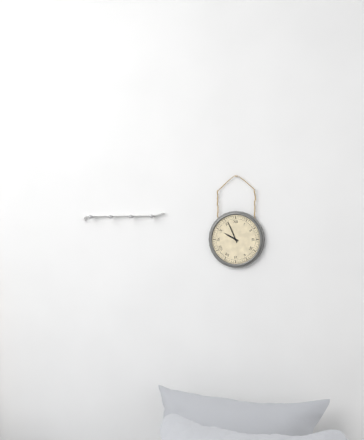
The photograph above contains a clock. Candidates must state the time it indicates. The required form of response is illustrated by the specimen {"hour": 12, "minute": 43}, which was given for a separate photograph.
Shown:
{"hour": 9, "minute": 56}
